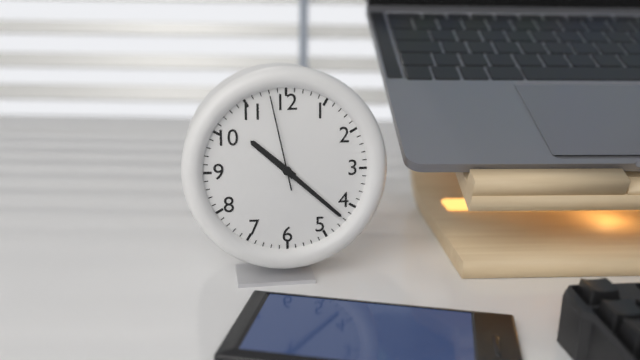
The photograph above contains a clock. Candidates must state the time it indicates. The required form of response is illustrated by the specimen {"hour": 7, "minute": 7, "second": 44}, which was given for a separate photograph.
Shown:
{"hour": 10, "minute": 22, "second": 58}
